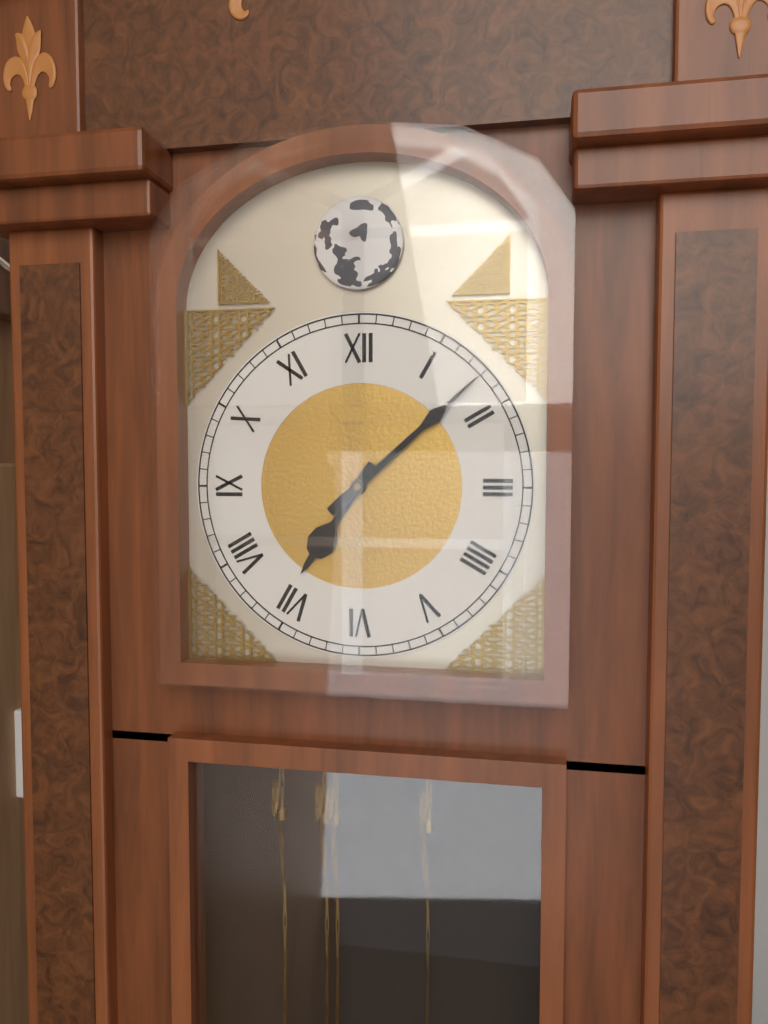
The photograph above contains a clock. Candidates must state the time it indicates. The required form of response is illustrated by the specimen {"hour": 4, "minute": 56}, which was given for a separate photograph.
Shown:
{"hour": 7, "minute": 8}
